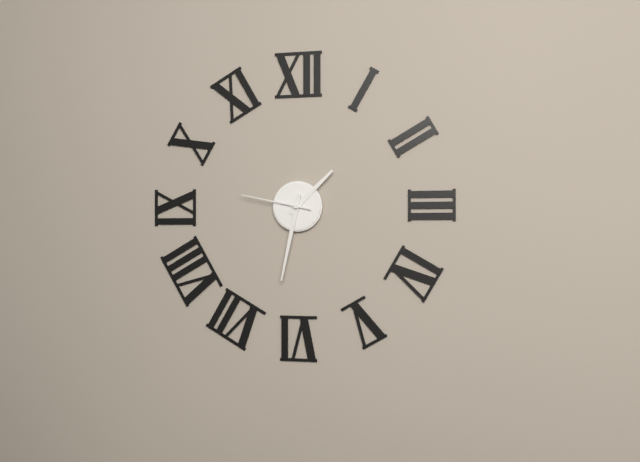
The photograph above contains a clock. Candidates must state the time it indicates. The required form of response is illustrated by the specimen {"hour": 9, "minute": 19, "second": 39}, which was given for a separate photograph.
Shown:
{"hour": 1, "minute": 32, "second": 47}
